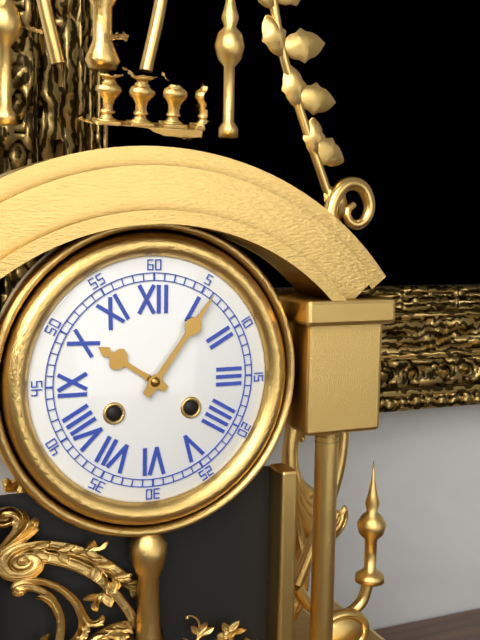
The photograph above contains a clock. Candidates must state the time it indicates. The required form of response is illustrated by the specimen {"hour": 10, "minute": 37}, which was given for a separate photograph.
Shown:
{"hour": 10, "minute": 6}
